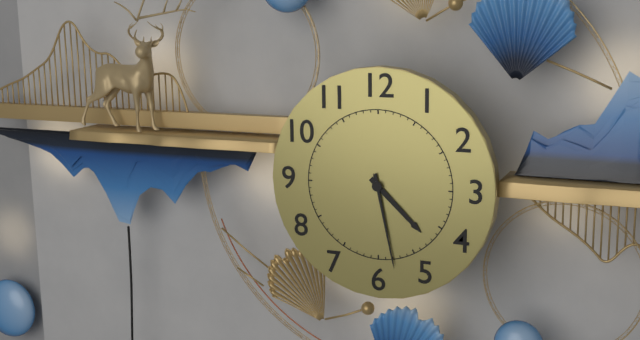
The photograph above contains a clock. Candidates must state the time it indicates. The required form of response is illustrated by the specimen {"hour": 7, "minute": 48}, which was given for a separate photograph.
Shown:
{"hour": 4, "minute": 28}
